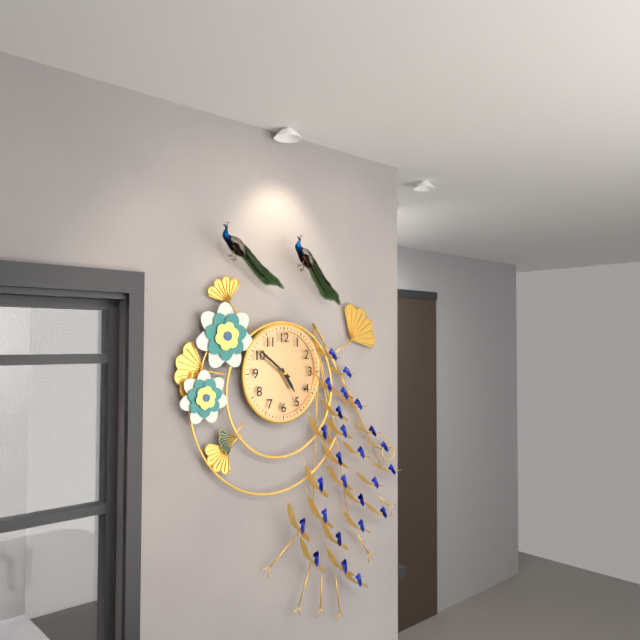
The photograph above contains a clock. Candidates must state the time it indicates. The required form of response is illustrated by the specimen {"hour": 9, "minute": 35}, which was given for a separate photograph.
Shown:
{"hour": 4, "minute": 51}
